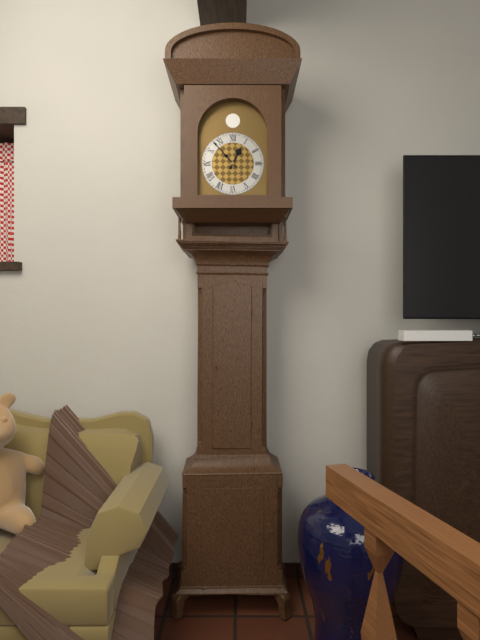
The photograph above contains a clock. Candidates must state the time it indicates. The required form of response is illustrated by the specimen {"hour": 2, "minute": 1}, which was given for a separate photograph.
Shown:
{"hour": 12, "minute": 53}
